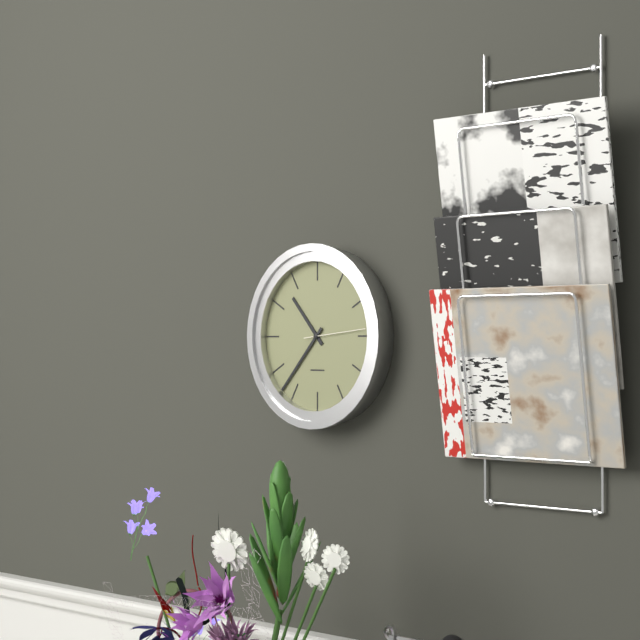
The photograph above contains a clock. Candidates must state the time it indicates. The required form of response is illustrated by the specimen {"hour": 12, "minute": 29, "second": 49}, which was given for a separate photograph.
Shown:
{"hour": 10, "minute": 37, "second": 14}
